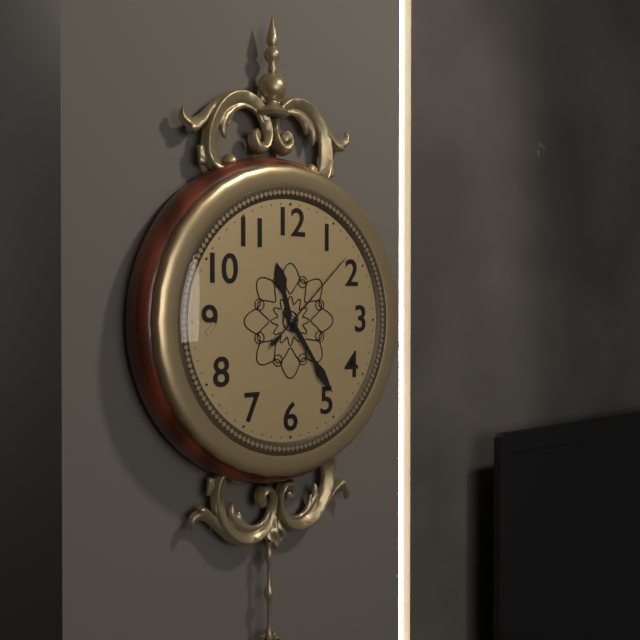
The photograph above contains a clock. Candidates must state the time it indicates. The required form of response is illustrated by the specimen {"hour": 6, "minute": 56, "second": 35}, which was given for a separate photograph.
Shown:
{"hour": 11, "minute": 24, "second": 8}
